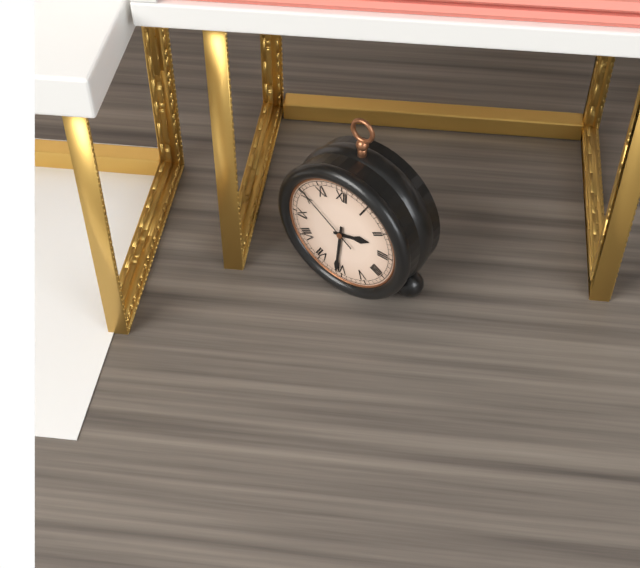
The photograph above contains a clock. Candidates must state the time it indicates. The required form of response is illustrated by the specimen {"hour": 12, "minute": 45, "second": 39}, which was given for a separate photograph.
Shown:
{"hour": 2, "minute": 31, "second": 51}
